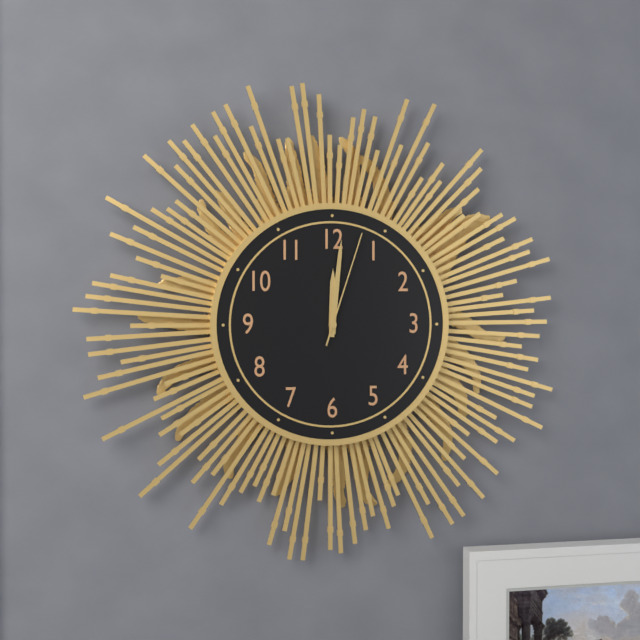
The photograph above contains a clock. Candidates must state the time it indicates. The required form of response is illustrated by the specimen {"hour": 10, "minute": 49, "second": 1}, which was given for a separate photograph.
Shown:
{"hour": 12, "minute": 1, "second": 3}
